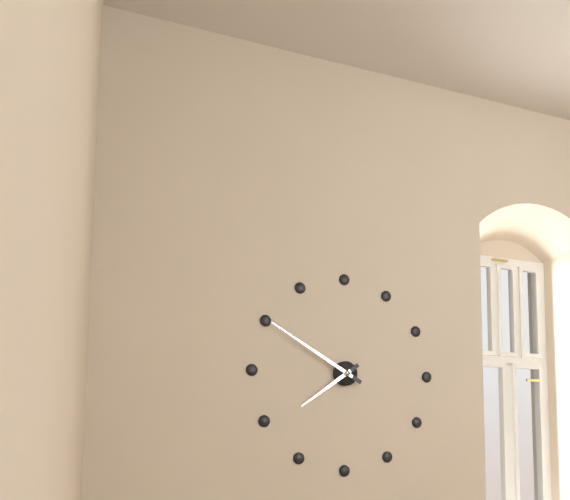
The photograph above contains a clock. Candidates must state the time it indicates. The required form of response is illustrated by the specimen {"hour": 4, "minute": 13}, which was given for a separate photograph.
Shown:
{"hour": 7, "minute": 50}
